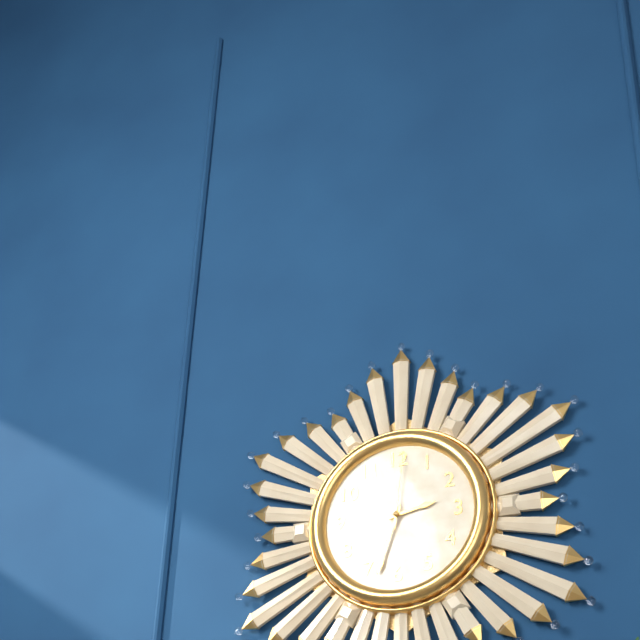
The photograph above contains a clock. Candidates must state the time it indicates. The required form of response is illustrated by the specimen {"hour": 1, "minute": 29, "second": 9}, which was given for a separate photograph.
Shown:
{"hour": 2, "minute": 33, "second": 1}
